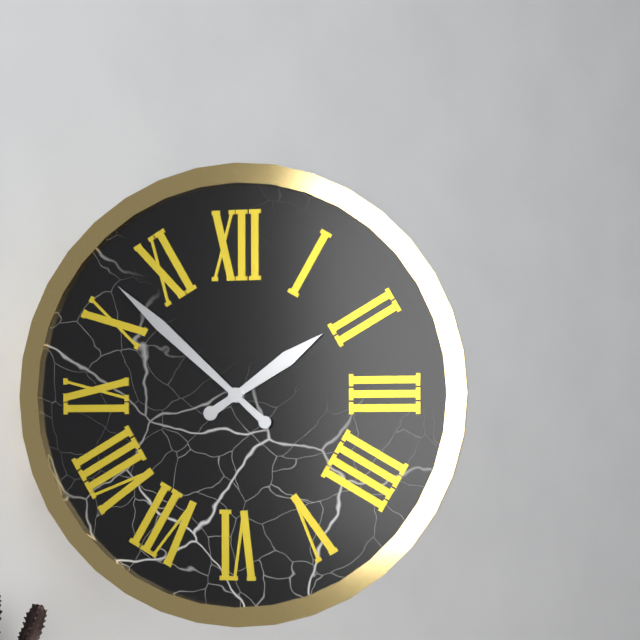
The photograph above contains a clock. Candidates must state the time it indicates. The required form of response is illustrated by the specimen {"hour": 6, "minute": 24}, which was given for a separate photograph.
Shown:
{"hour": 1, "minute": 52}
